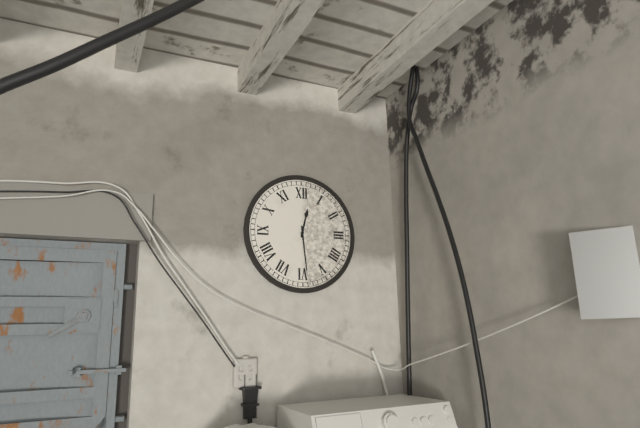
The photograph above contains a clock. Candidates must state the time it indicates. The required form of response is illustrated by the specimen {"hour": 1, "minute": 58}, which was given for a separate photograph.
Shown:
{"hour": 12, "minute": 29}
